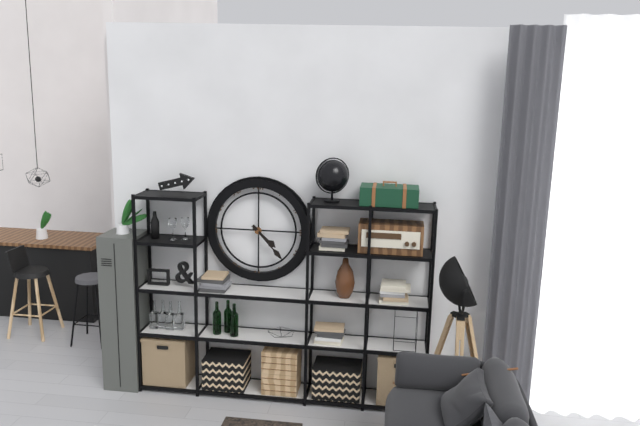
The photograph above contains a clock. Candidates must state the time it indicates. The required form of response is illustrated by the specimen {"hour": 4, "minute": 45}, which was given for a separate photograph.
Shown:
{"hour": 4, "minute": 23}
